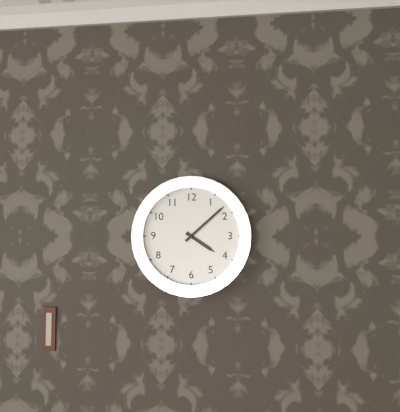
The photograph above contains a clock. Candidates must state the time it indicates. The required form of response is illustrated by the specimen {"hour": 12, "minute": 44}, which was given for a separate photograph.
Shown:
{"hour": 4, "minute": 8}
